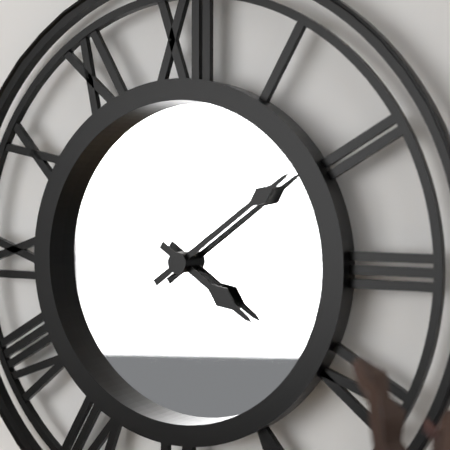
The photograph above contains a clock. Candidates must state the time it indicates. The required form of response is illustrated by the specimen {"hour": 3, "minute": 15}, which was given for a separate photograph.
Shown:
{"hour": 4, "minute": 9}
